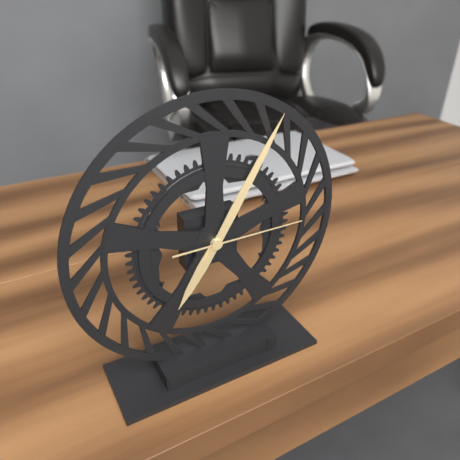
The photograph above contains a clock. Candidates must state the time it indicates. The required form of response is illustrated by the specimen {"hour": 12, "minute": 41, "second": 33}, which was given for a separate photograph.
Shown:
{"hour": 7, "minute": 5, "second": 15}
